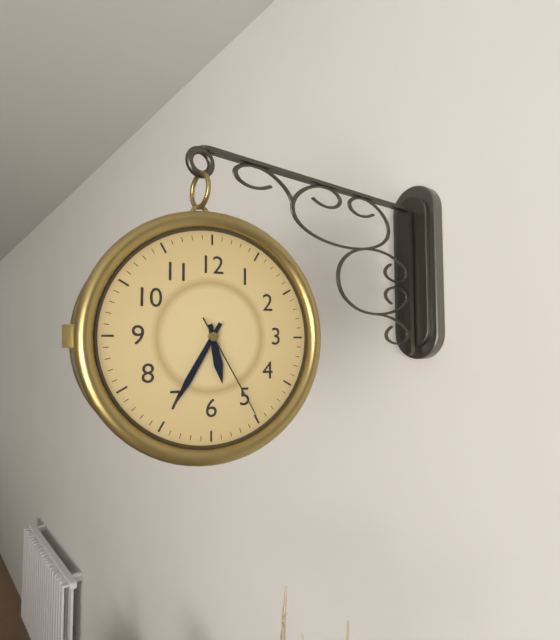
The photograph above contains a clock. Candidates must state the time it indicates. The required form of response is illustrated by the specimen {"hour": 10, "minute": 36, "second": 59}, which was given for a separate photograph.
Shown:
{"hour": 5, "minute": 35, "second": 25}
